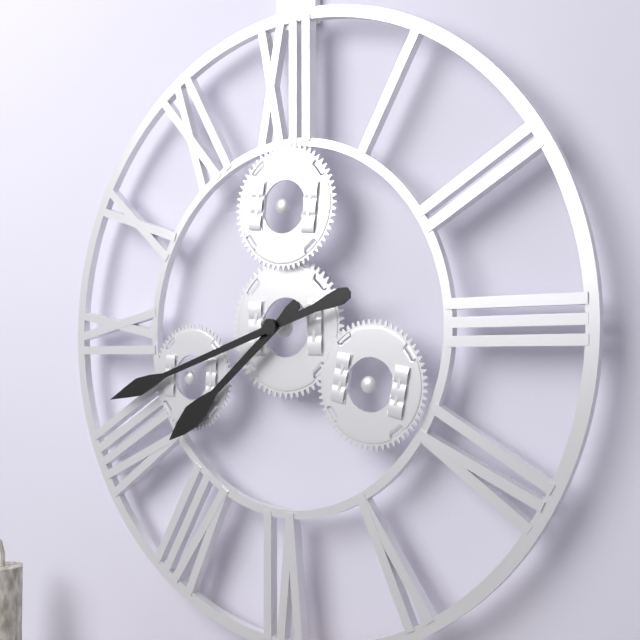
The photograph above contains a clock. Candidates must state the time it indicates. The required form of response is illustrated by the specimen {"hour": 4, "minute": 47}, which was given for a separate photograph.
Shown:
{"hour": 7, "minute": 42}
